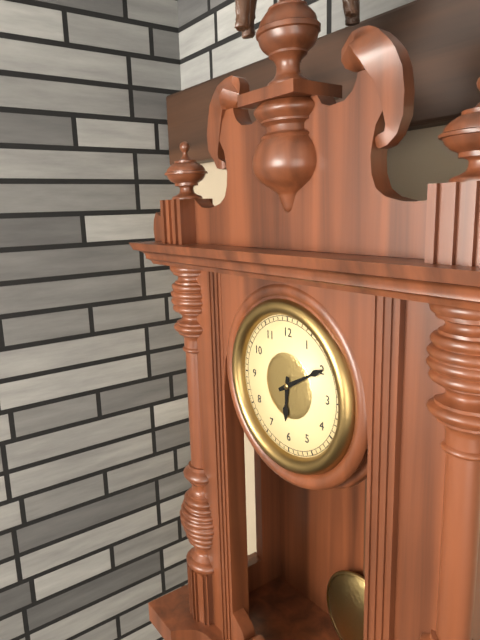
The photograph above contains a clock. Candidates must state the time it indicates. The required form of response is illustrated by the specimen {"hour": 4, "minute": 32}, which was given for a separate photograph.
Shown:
{"hour": 6, "minute": 10}
